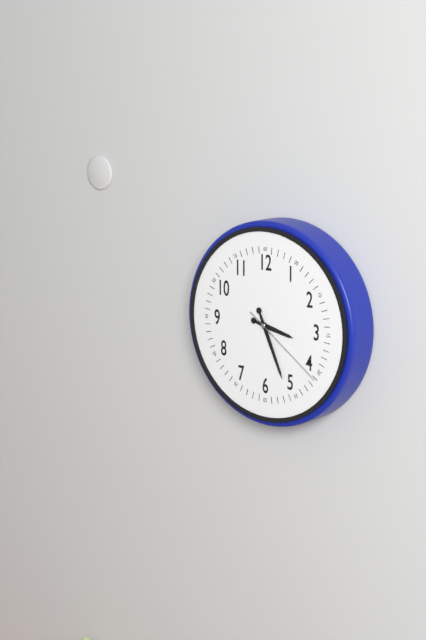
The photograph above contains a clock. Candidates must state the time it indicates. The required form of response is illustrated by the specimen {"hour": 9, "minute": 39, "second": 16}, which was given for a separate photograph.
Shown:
{"hour": 3, "minute": 26, "second": 21}
